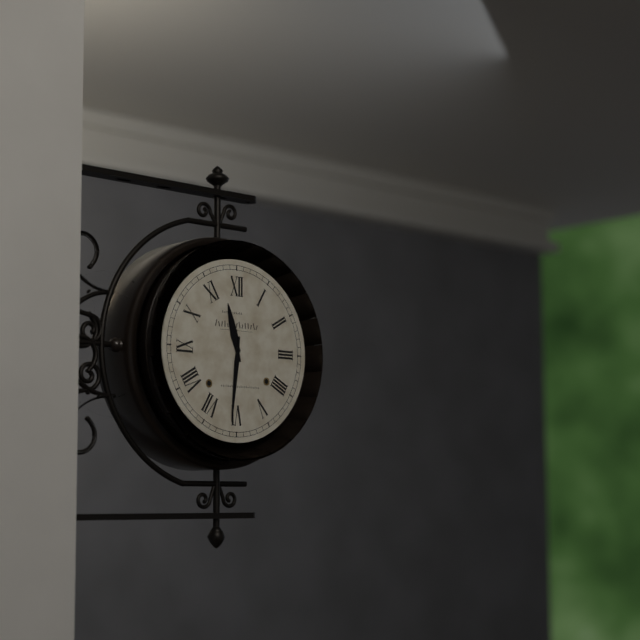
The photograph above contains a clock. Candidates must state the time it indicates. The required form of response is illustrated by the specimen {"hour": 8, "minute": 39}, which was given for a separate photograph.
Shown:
{"hour": 11, "minute": 31}
